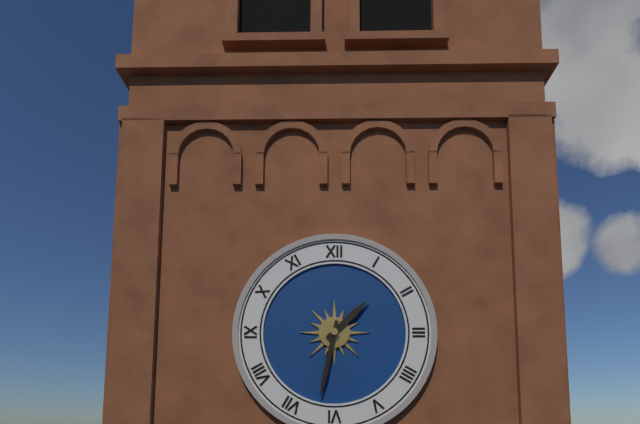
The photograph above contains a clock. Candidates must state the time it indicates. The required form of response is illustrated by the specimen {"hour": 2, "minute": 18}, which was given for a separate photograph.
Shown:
{"hour": 1, "minute": 32}
